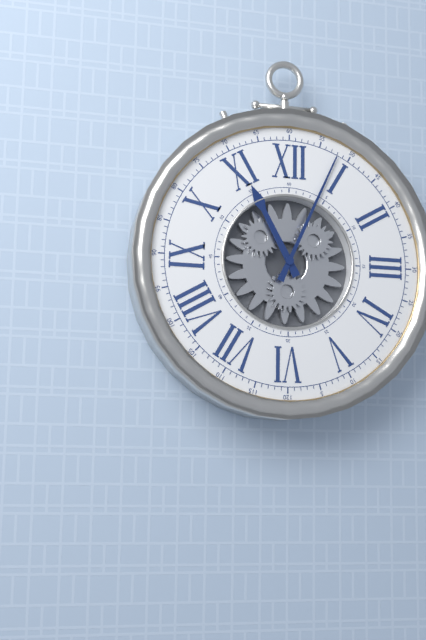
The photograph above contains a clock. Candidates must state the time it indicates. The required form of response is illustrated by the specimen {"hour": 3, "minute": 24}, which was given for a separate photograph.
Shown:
{"hour": 11, "minute": 4}
